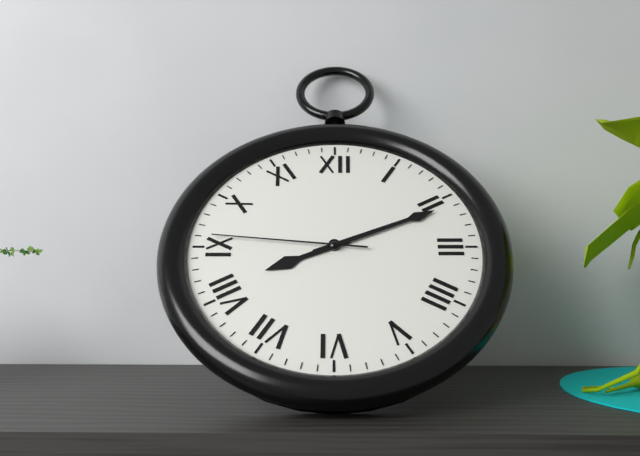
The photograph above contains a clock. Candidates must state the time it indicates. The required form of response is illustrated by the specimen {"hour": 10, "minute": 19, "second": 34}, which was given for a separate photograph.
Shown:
{"hour": 8, "minute": 11, "second": 46}
